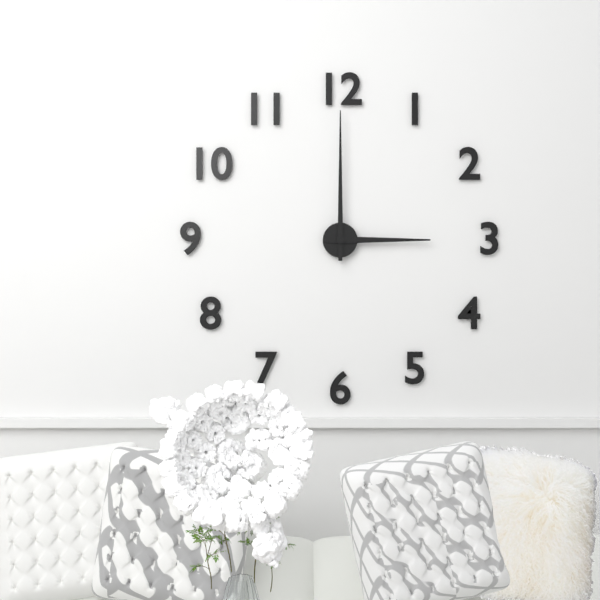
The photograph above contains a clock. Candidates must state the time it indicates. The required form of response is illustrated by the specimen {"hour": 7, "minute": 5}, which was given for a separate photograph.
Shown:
{"hour": 3, "minute": 0}
